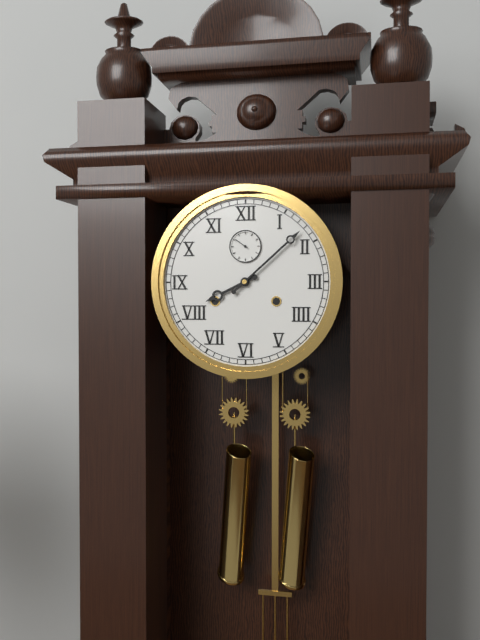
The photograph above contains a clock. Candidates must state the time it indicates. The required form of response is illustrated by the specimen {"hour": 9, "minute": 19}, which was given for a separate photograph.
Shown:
{"hour": 8, "minute": 8}
